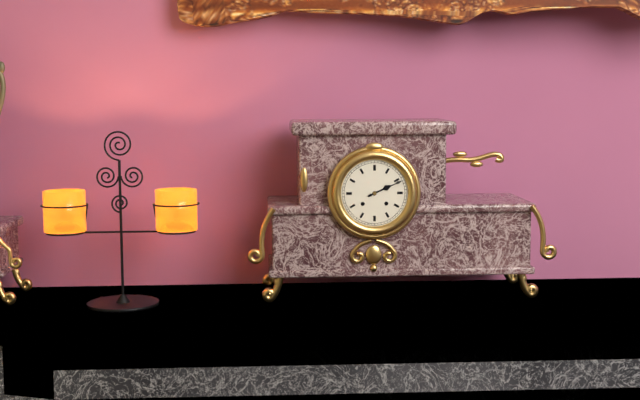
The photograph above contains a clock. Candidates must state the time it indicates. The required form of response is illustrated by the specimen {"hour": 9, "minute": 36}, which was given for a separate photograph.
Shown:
{"hour": 2, "minute": 11}
